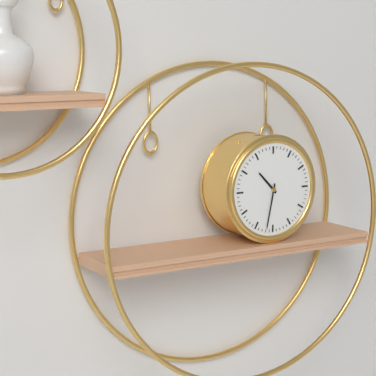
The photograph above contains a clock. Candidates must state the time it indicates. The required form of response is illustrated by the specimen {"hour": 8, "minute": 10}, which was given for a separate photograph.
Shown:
{"hour": 10, "minute": 32}
